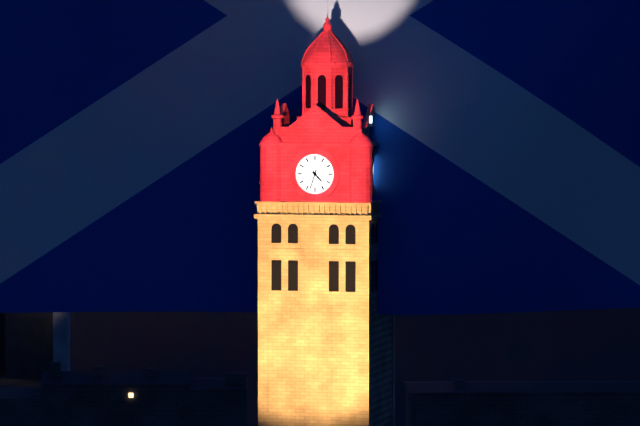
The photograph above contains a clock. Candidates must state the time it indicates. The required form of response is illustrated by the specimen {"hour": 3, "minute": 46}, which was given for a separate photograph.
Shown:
{"hour": 4, "minute": 33}
